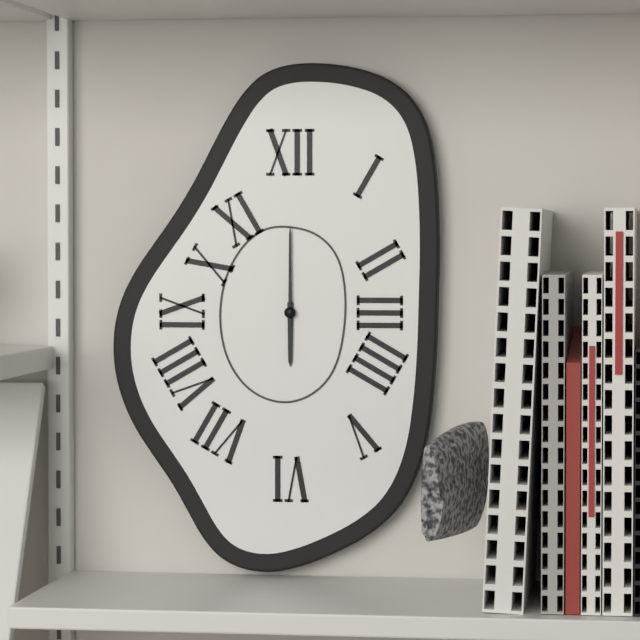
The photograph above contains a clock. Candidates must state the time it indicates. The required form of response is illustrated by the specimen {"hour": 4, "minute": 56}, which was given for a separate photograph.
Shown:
{"hour": 6, "minute": 0}
